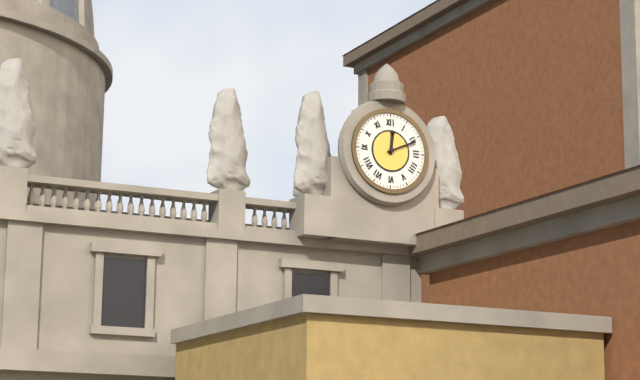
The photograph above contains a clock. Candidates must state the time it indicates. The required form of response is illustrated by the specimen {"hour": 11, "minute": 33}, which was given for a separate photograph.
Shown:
{"hour": 12, "minute": 11}
